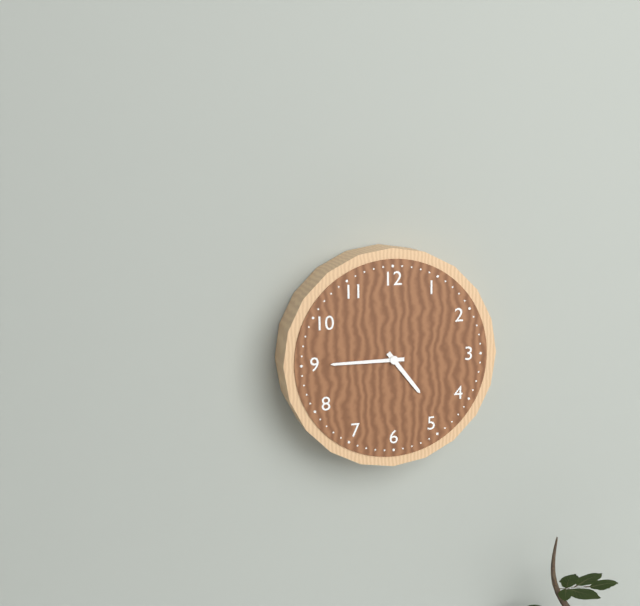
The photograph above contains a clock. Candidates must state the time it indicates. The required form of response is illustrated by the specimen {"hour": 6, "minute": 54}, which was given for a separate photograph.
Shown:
{"hour": 4, "minute": 45}
